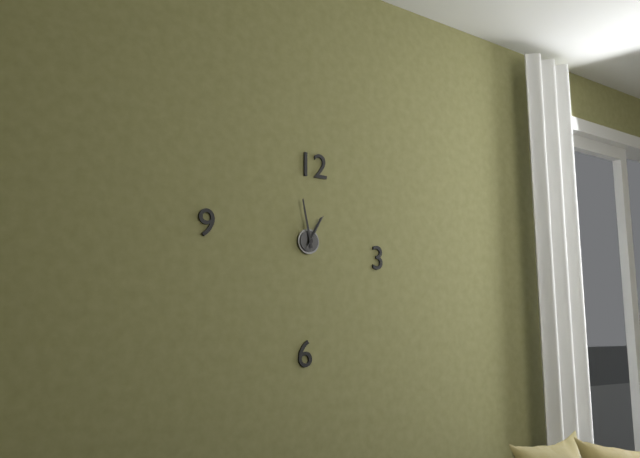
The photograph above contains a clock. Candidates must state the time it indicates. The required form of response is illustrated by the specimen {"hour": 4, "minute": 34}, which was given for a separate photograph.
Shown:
{"hour": 12, "minute": 58}
